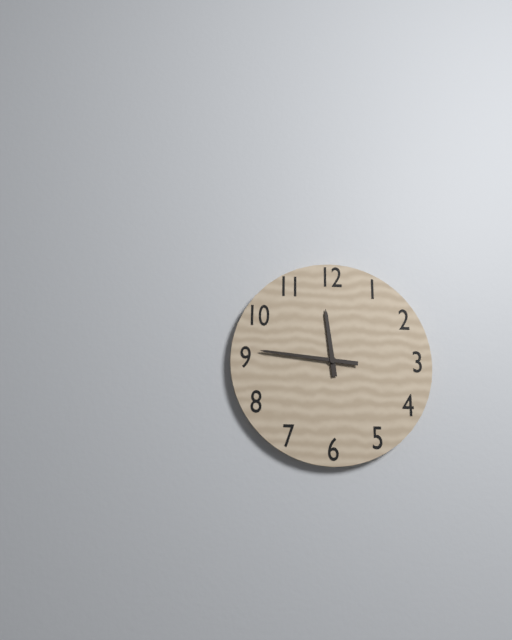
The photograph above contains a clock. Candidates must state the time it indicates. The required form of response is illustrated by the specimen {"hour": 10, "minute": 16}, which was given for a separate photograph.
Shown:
{"hour": 11, "minute": 46}
